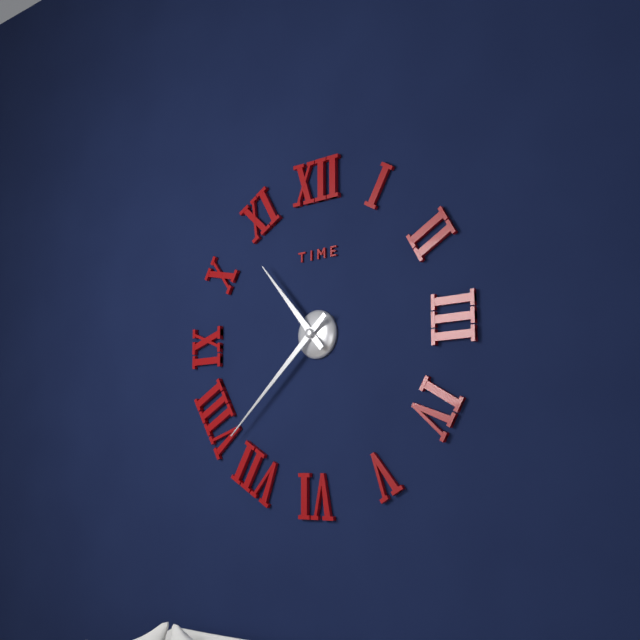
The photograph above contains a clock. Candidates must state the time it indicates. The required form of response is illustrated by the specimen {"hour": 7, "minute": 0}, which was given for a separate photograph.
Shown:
{"hour": 10, "minute": 38}
